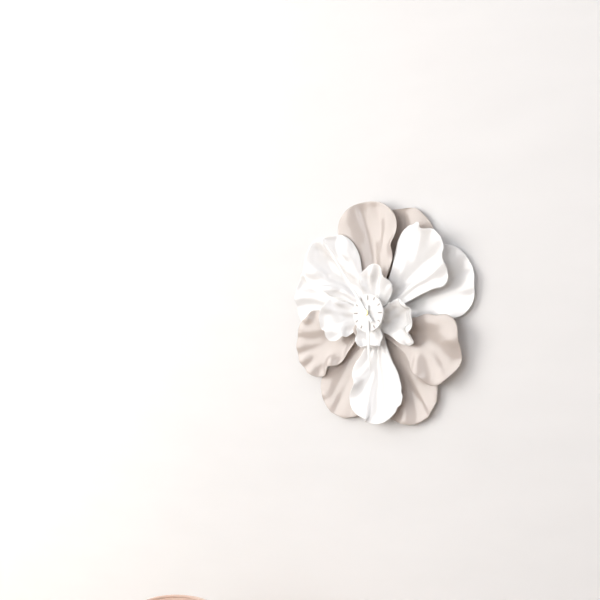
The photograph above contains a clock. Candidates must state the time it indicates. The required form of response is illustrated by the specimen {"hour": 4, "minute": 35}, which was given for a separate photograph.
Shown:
{"hour": 5, "minute": 54}
